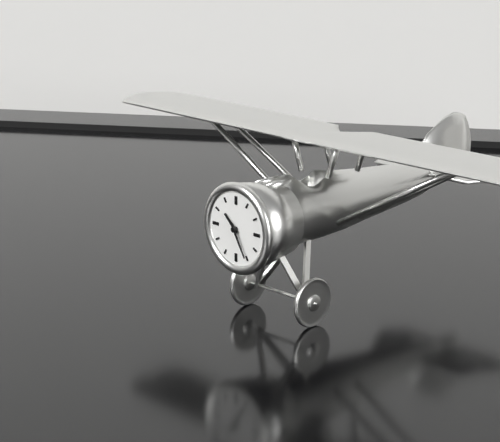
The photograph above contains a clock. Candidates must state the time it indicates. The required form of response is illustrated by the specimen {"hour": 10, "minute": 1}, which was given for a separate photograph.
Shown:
{"hour": 10, "minute": 25}
